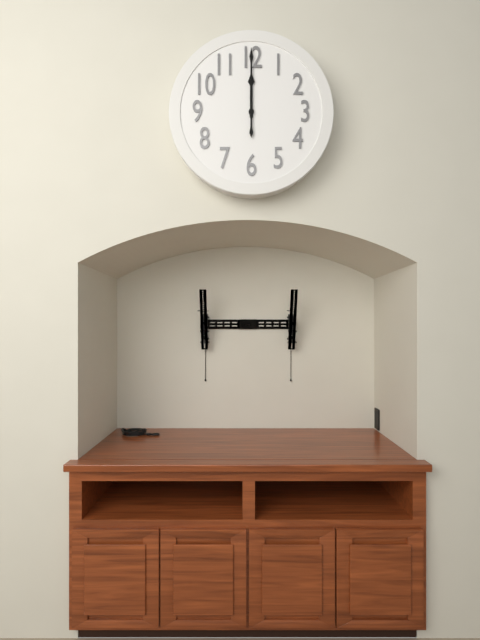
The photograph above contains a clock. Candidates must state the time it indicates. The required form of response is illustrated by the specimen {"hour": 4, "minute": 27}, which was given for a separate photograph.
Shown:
{"hour": 12, "minute": 0}
